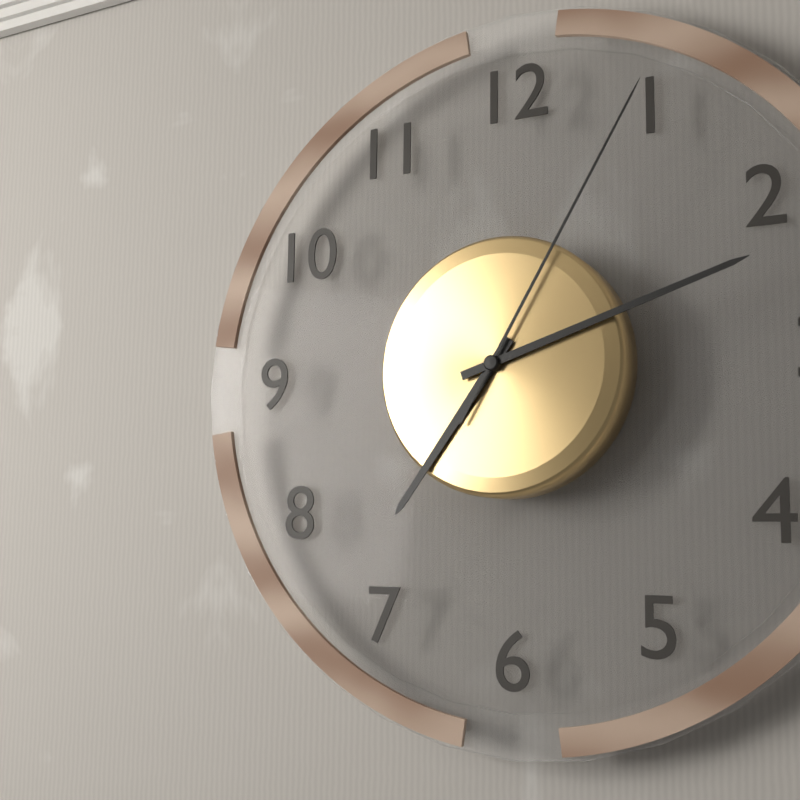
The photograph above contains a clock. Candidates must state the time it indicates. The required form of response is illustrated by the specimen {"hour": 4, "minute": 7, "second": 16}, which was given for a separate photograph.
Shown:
{"hour": 7, "minute": 12, "second": 5}
